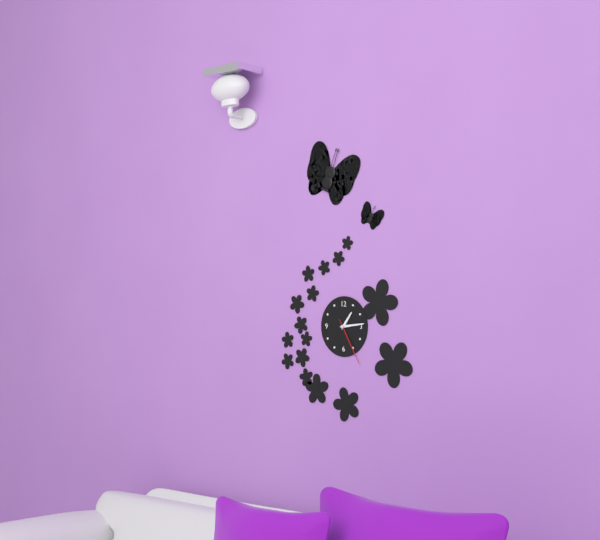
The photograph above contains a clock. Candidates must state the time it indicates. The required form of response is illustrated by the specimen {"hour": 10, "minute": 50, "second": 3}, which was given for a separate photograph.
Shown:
{"hour": 1, "minute": 14, "second": 25}
